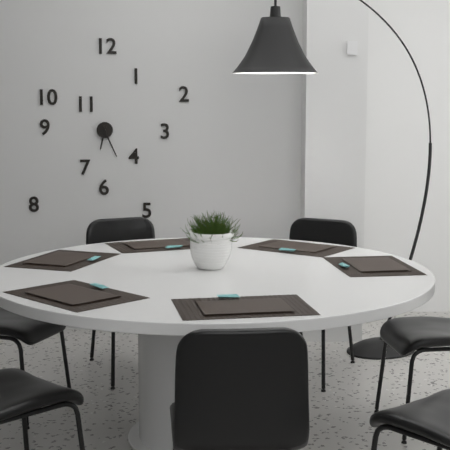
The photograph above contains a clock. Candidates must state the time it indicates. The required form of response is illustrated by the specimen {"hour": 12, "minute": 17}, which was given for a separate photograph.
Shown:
{"hour": 6, "minute": 26}
